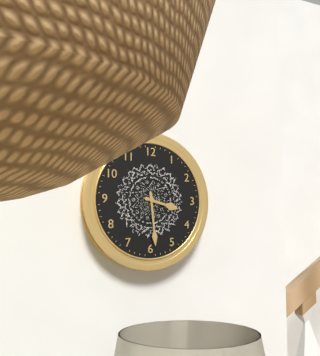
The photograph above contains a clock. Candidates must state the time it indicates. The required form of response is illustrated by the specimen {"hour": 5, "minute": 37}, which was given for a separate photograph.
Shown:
{"hour": 3, "minute": 29}
